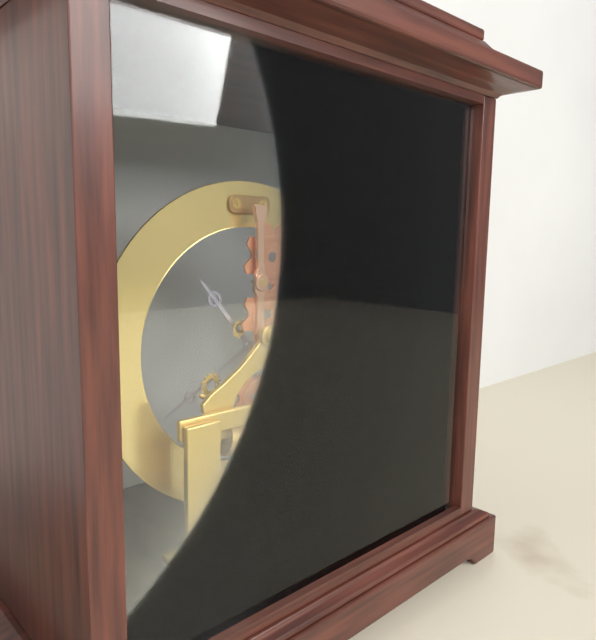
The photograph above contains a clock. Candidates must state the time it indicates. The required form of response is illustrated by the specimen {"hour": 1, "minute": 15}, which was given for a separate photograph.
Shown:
{"hour": 10, "minute": 40}
